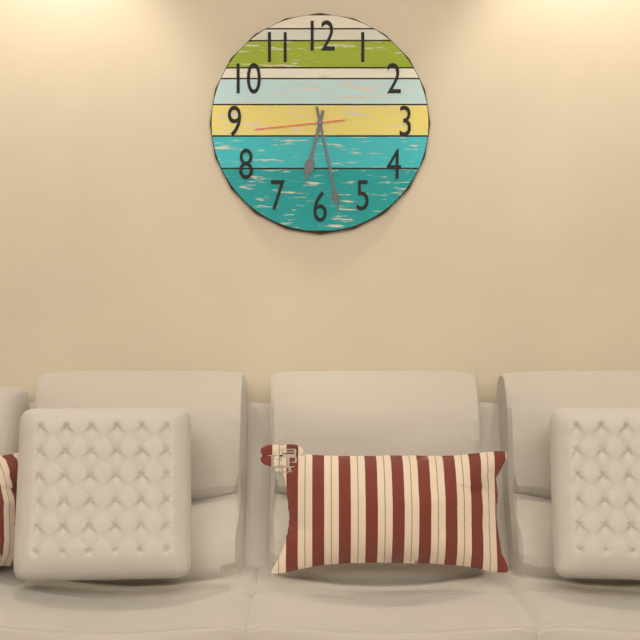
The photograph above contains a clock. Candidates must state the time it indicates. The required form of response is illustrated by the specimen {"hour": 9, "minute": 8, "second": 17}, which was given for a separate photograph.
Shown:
{"hour": 6, "minute": 28, "second": 44}
